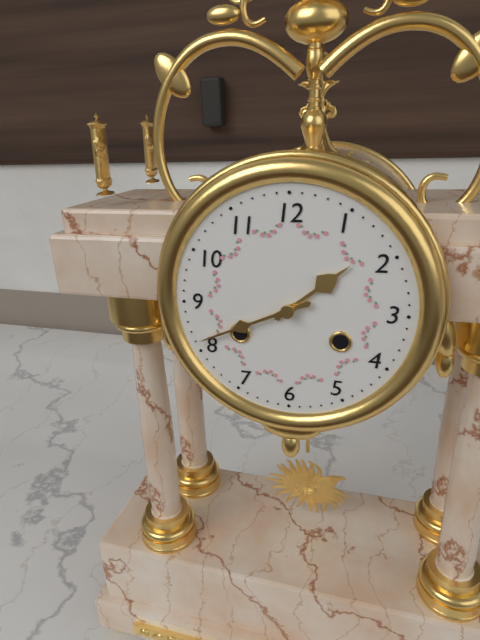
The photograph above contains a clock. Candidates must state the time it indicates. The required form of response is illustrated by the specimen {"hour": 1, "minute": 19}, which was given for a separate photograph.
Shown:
{"hour": 1, "minute": 41}
